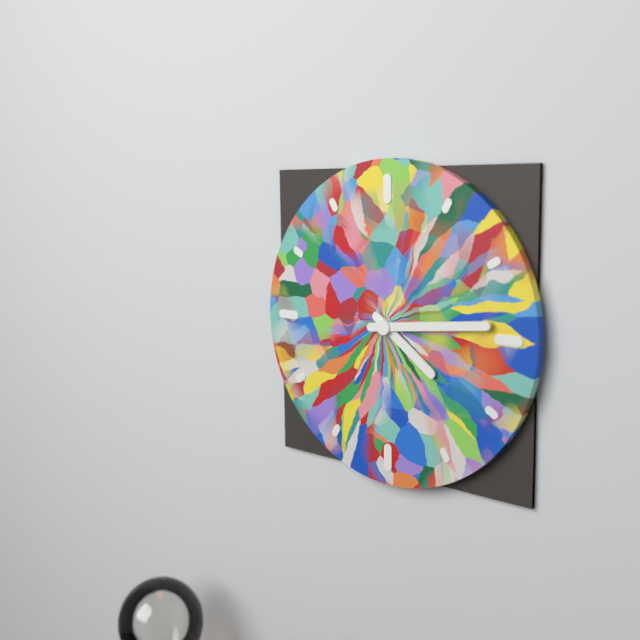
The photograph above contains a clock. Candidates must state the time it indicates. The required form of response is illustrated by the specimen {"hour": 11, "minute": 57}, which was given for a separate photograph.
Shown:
{"hour": 4, "minute": 14}
